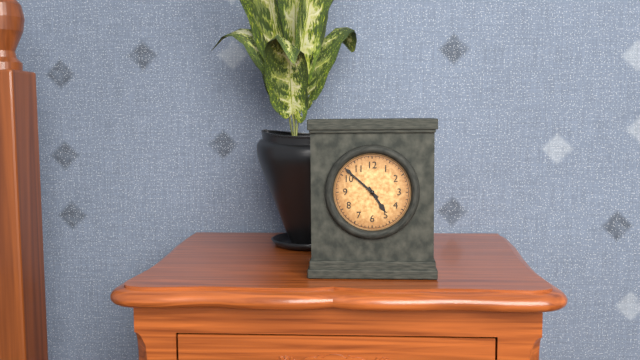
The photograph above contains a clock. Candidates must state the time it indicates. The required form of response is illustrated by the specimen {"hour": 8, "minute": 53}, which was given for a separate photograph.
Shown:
{"hour": 4, "minute": 52}
